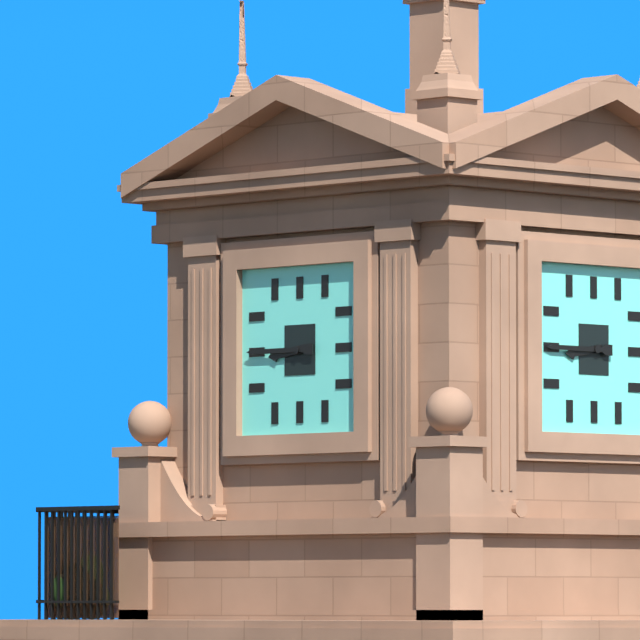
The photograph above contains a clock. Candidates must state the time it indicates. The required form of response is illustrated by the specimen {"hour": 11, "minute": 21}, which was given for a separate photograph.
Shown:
{"hour": 8, "minute": 45}
